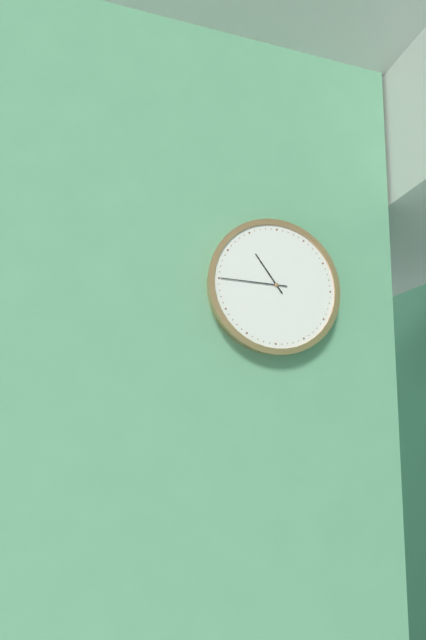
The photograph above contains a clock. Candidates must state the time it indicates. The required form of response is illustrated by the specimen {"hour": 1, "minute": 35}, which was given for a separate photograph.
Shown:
{"hour": 10, "minute": 45}
